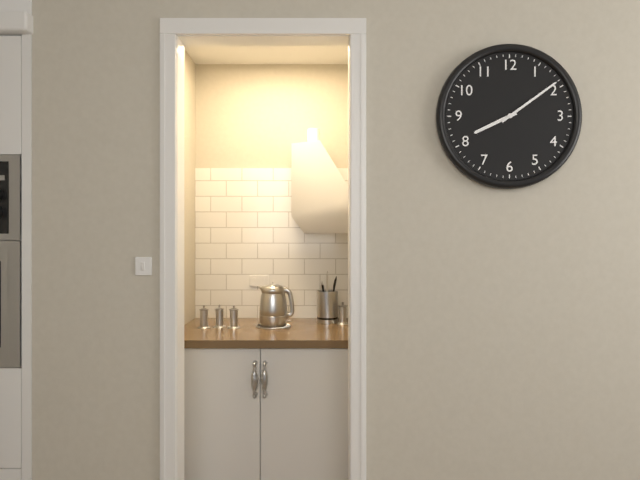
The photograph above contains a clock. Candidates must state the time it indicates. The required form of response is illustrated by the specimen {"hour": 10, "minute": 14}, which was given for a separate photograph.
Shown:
{"hour": 8, "minute": 9}
